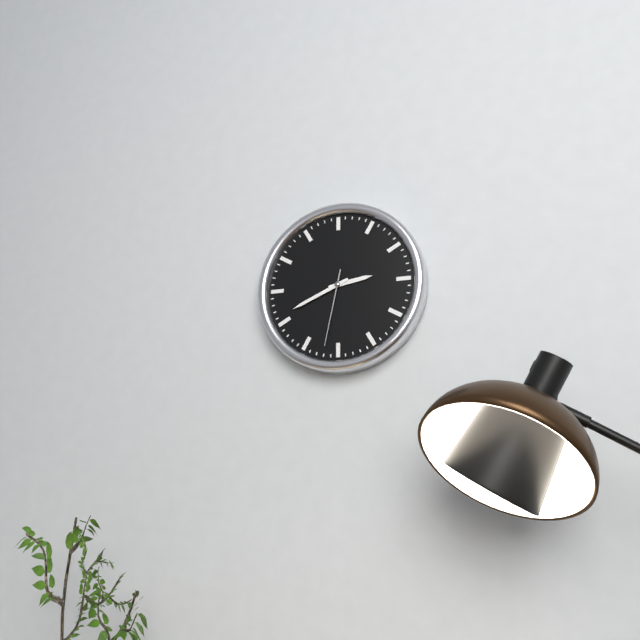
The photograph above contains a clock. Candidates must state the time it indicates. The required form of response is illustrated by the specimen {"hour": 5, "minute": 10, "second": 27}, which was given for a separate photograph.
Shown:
{"hour": 2, "minute": 41, "second": 32}
